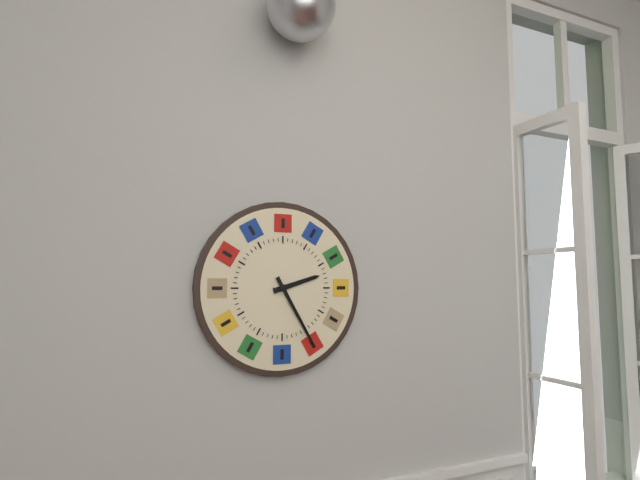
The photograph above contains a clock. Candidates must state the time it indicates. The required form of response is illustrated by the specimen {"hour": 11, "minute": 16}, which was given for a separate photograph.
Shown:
{"hour": 2, "minute": 25}
